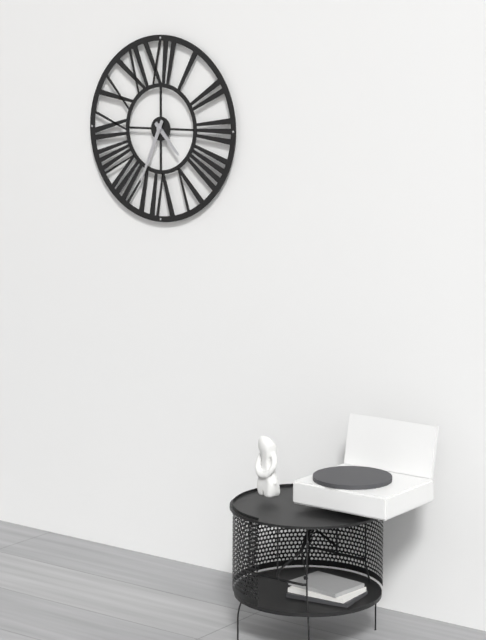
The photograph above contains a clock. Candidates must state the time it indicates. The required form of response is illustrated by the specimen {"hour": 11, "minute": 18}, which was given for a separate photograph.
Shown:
{"hour": 4, "minute": 34}
